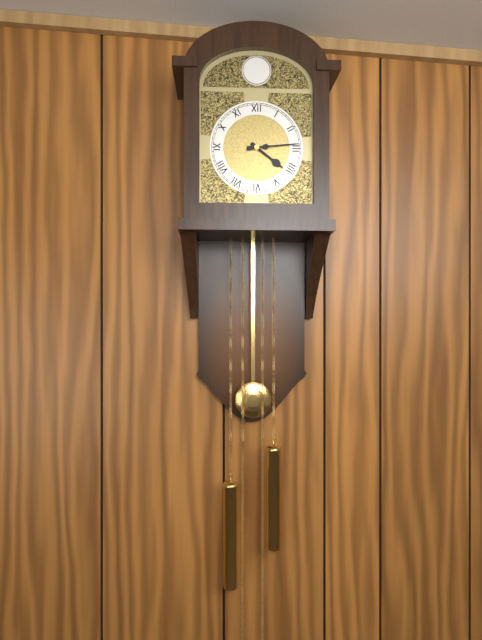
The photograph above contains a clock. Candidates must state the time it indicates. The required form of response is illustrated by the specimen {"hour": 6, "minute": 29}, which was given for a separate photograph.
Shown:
{"hour": 4, "minute": 14}
